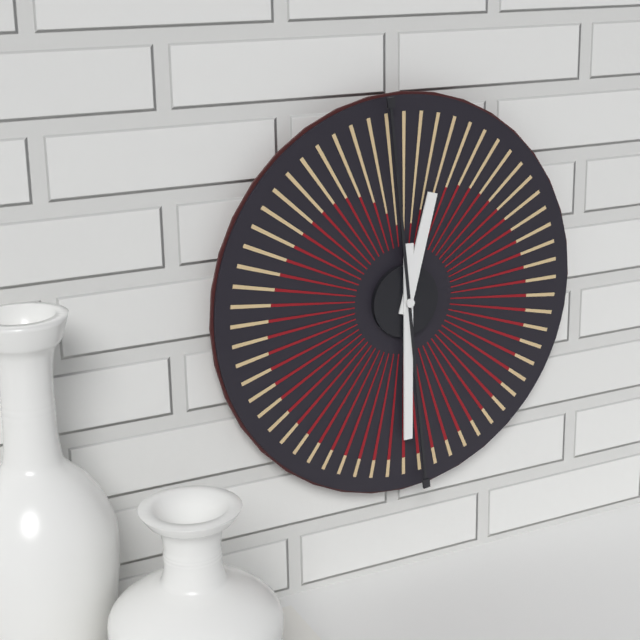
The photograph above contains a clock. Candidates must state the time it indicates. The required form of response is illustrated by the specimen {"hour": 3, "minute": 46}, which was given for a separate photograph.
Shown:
{"hour": 12, "minute": 30}
